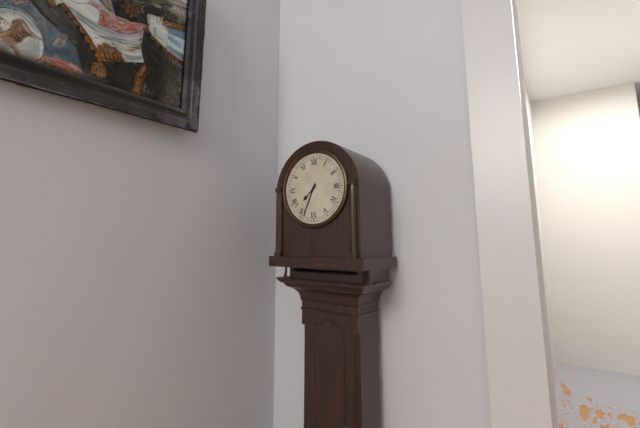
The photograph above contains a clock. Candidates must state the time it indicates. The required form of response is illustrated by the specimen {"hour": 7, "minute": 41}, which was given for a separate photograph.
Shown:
{"hour": 7, "minute": 34}
